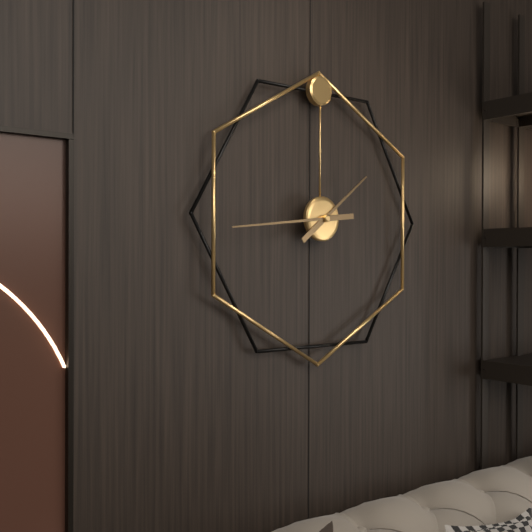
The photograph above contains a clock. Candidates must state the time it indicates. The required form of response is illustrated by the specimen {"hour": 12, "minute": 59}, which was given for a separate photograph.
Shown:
{"hour": 1, "minute": 44}
